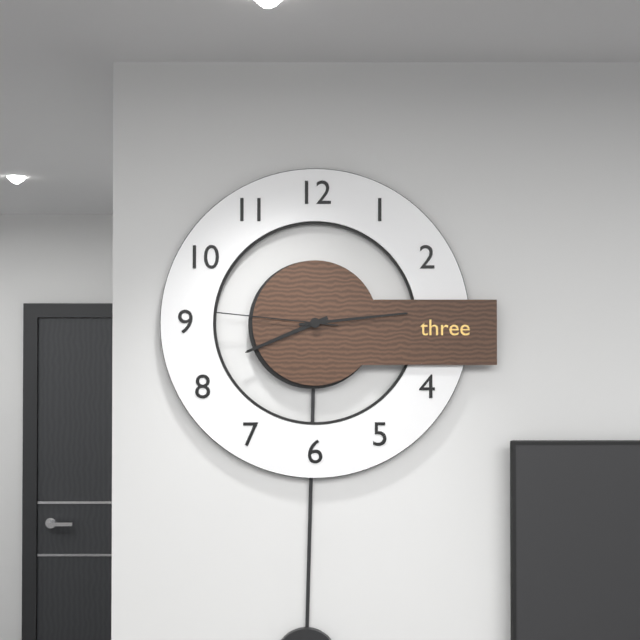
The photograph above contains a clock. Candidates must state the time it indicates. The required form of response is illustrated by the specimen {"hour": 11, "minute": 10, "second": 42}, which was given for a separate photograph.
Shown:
{"hour": 8, "minute": 14, "second": 46}
